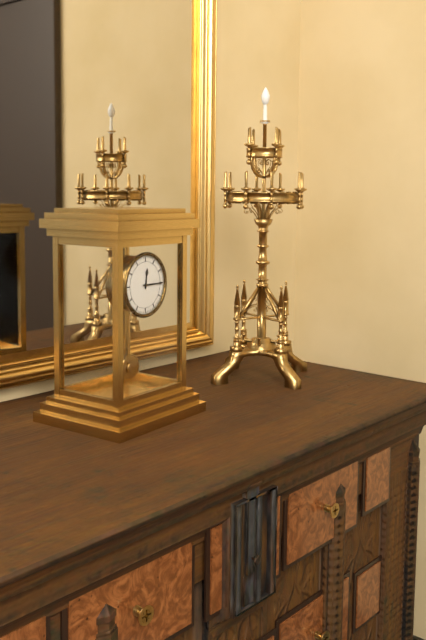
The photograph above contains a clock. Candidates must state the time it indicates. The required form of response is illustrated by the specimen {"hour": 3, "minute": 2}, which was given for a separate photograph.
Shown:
{"hour": 12, "minute": 15}
